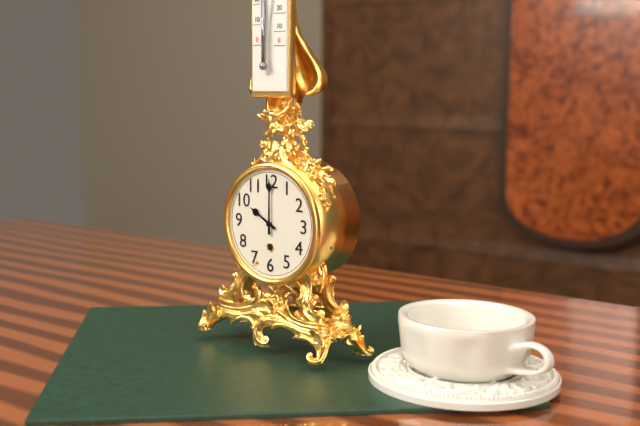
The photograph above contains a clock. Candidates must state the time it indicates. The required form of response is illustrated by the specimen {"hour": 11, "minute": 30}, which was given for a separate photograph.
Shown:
{"hour": 10, "minute": 0}
